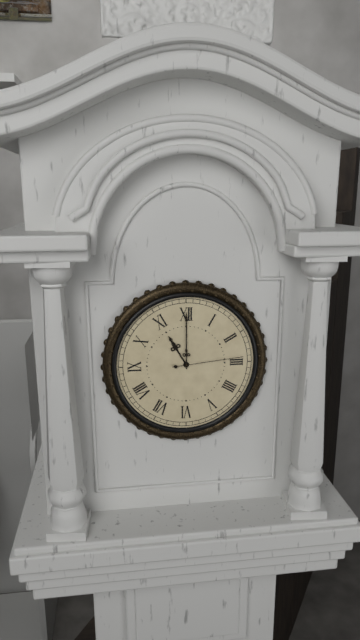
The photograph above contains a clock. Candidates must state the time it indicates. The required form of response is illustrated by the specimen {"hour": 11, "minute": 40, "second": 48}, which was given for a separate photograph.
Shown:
{"hour": 11, "minute": 0, "second": 14}
